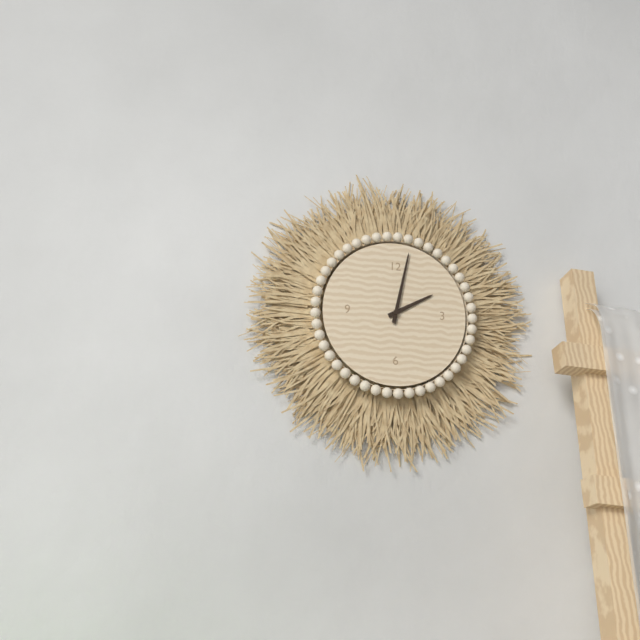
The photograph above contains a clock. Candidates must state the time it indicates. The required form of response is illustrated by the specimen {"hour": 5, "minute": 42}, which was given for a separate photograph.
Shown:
{"hour": 2, "minute": 2}
